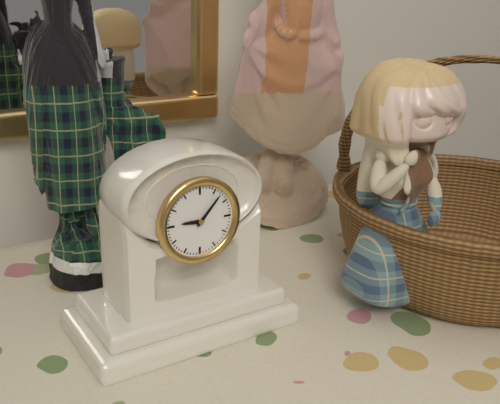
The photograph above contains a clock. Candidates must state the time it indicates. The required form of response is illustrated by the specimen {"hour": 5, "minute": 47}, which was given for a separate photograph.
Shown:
{"hour": 9, "minute": 7}
